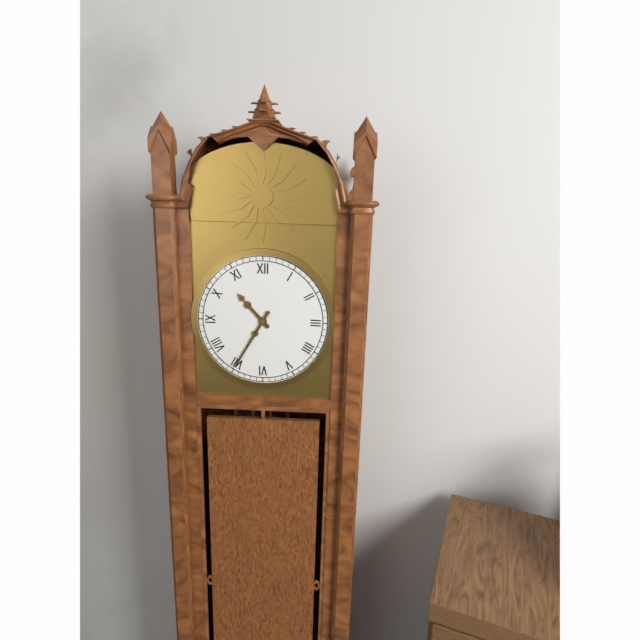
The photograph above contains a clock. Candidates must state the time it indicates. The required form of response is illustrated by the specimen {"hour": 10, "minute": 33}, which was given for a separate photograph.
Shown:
{"hour": 10, "minute": 35}
